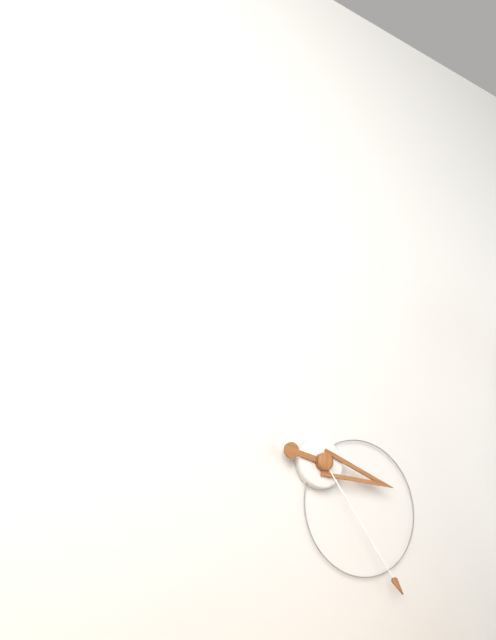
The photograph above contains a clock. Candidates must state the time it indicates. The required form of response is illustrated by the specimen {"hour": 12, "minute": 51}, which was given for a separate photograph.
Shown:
{"hour": 3, "minute": 24}
